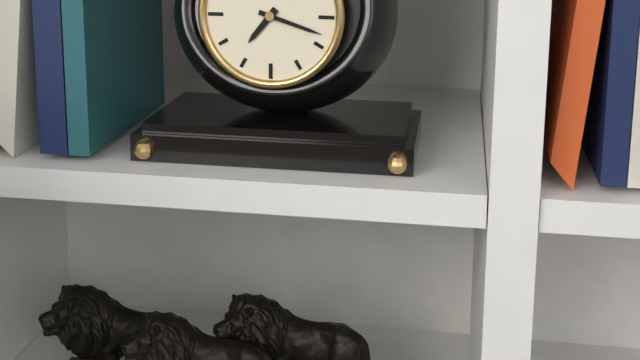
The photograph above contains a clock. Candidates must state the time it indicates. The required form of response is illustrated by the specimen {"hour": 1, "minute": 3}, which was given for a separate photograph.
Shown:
{"hour": 7, "minute": 18}
